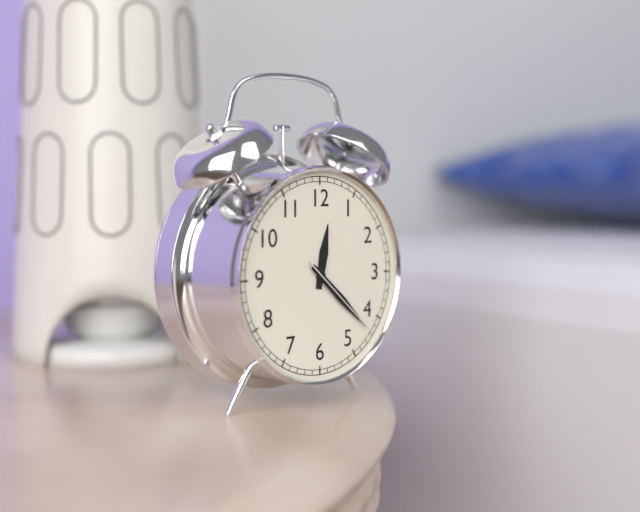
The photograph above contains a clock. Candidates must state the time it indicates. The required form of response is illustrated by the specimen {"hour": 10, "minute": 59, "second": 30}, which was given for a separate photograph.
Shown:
{"hour": 12, "minute": 22, "second": 22}
